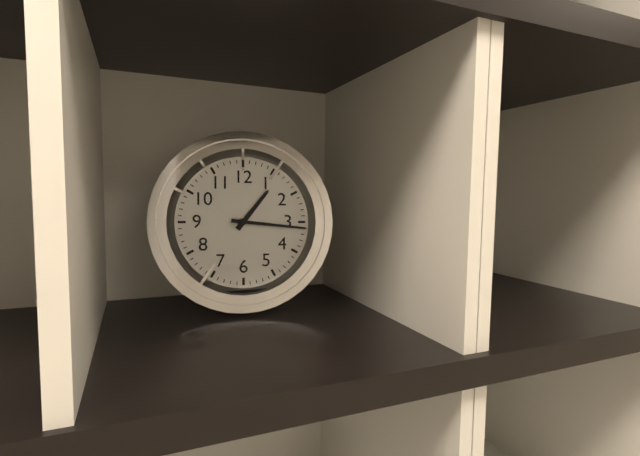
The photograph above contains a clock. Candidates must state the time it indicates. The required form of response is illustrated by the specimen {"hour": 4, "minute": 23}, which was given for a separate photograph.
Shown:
{"hour": 1, "minute": 16}
